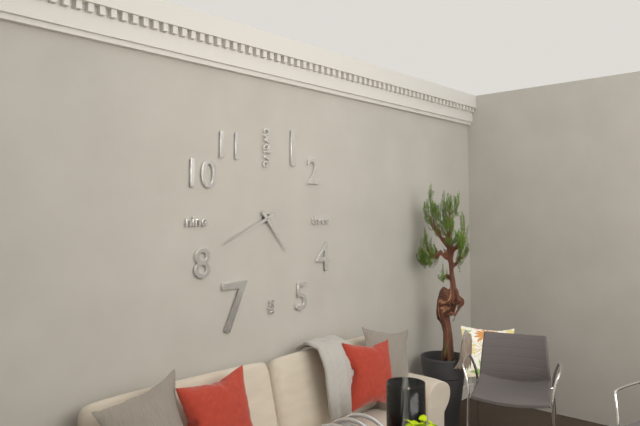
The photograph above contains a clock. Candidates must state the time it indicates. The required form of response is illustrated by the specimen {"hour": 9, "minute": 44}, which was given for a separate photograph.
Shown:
{"hour": 4, "minute": 41}
